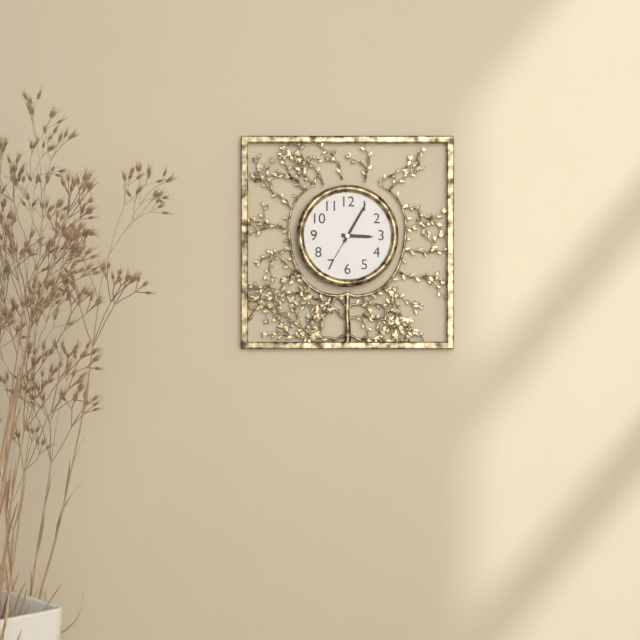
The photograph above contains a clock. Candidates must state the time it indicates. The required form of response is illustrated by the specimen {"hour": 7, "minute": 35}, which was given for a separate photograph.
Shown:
{"hour": 3, "minute": 5}
